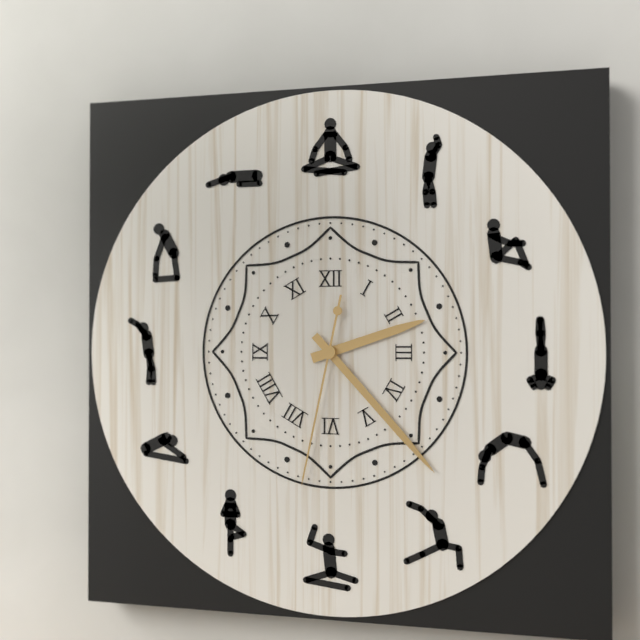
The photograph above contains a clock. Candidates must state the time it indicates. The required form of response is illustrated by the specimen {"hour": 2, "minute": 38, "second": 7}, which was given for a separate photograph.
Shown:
{"hour": 2, "minute": 23, "second": 32}
